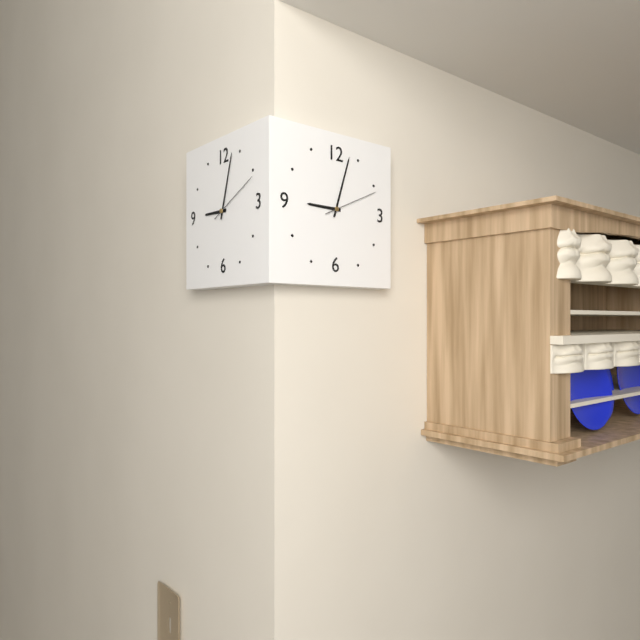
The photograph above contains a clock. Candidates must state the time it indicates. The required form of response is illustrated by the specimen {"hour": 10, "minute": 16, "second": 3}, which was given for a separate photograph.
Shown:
{"hour": 9, "minute": 3, "second": 11}
